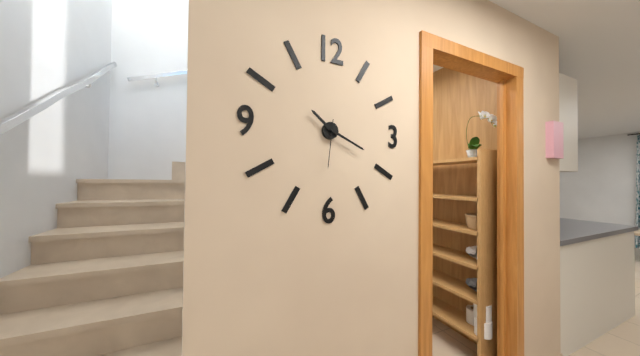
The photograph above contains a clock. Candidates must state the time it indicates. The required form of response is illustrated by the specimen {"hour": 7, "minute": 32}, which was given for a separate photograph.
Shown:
{"hour": 10, "minute": 19}
